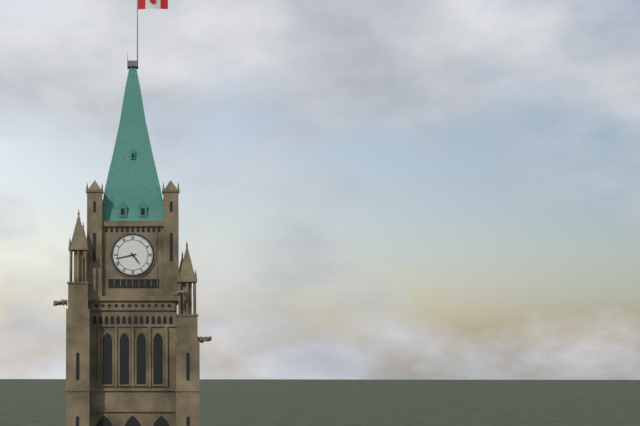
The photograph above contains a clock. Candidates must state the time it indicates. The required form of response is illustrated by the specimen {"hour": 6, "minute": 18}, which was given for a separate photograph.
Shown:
{"hour": 4, "minute": 43}
